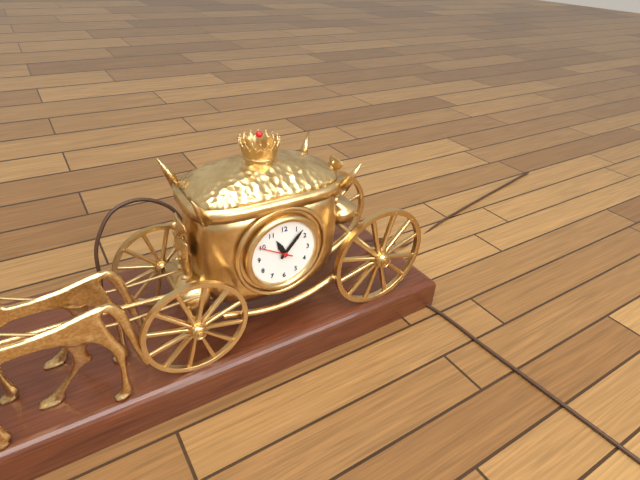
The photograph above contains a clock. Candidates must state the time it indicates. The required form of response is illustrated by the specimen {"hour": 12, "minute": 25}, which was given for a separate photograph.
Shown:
{"hour": 11, "minute": 7}
